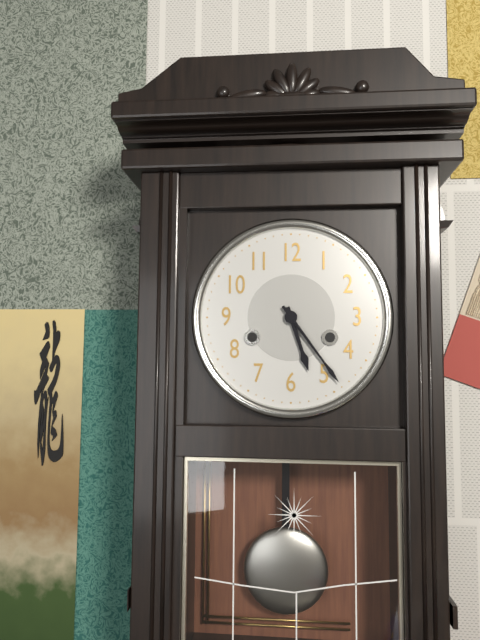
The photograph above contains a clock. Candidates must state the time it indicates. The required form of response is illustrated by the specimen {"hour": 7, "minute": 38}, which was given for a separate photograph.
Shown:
{"hour": 5, "minute": 24}
